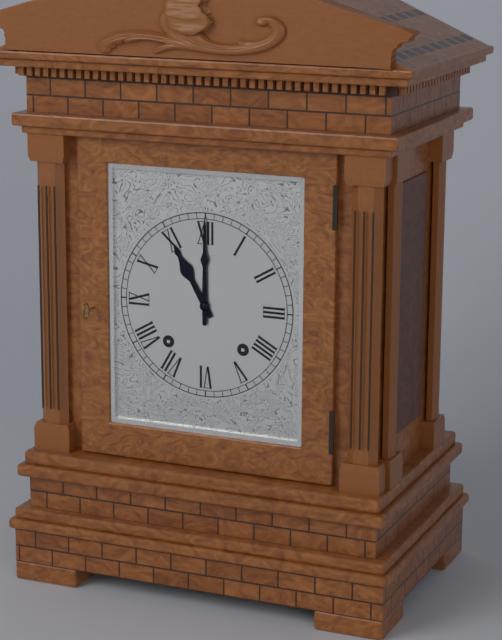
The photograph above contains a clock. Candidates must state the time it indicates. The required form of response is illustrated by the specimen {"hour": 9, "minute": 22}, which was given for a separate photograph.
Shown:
{"hour": 11, "minute": 0}
